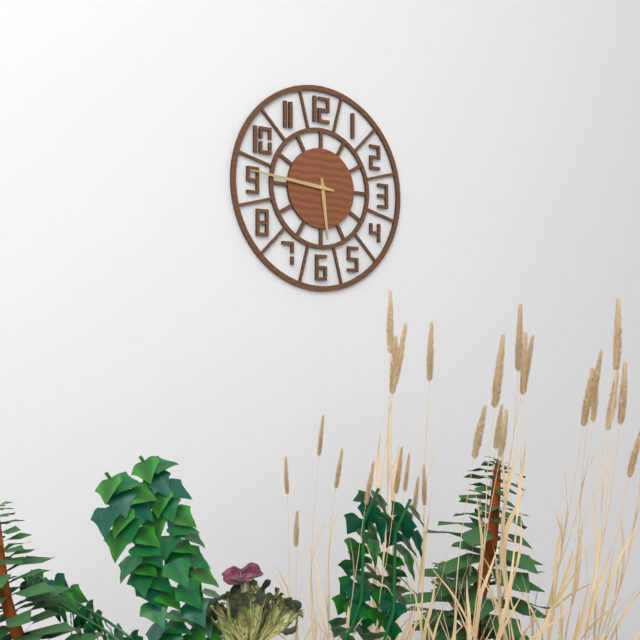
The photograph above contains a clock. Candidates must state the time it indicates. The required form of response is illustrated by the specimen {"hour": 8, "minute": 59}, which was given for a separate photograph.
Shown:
{"hour": 5, "minute": 46}
